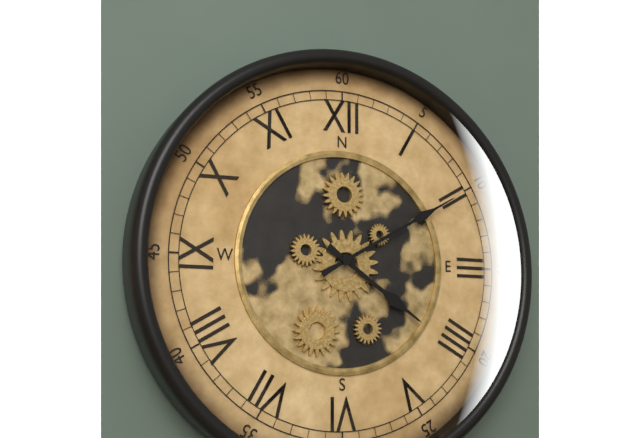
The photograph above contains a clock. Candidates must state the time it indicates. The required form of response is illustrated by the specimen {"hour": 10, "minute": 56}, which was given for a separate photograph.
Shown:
{"hour": 4, "minute": 10}
